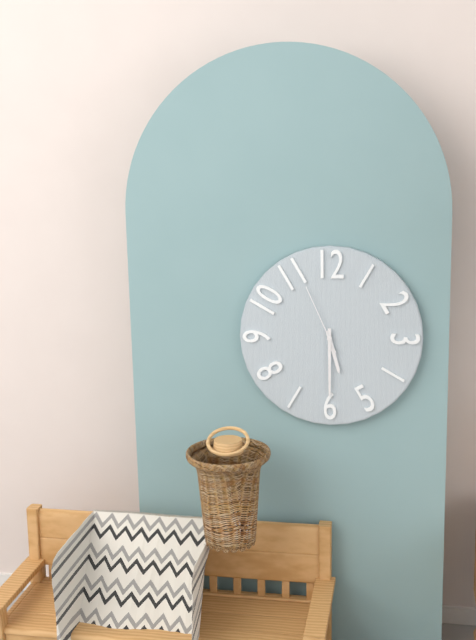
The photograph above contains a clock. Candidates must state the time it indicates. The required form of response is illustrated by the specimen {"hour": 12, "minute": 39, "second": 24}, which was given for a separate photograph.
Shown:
{"hour": 5, "minute": 30, "second": 56}
